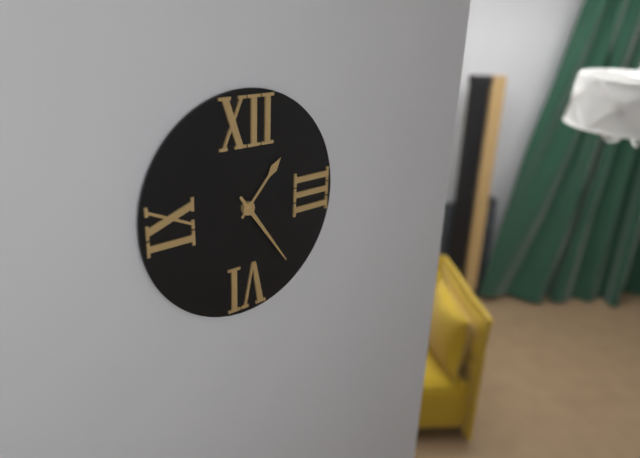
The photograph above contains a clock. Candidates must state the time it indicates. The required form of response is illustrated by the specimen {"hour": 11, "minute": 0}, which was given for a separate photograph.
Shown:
{"hour": 1, "minute": 24}
